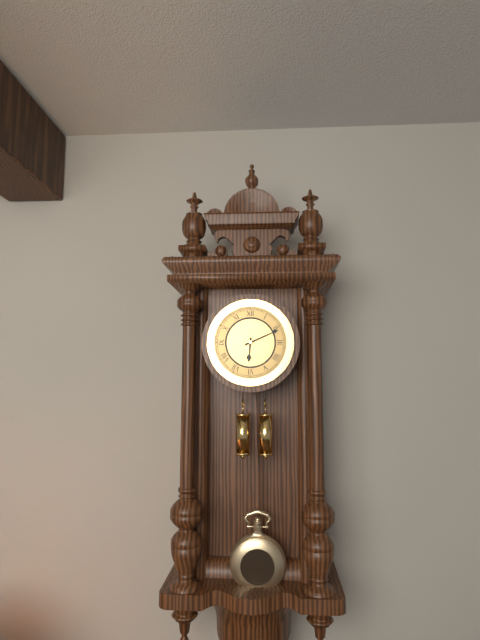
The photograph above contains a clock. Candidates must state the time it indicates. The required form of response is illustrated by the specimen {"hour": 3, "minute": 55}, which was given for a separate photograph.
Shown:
{"hour": 6, "minute": 11}
